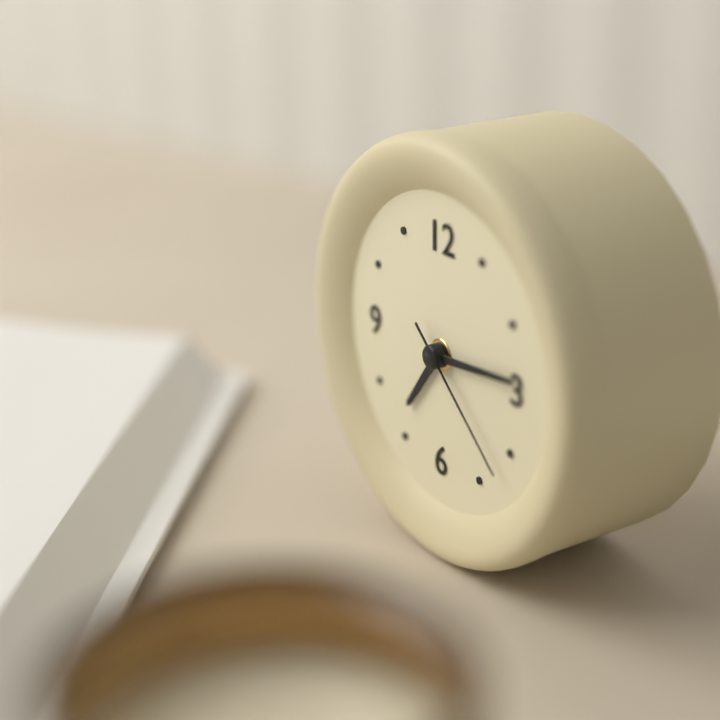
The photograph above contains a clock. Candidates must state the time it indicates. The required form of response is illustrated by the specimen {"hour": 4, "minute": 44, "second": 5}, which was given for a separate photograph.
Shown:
{"hour": 7, "minute": 14, "second": 22}
